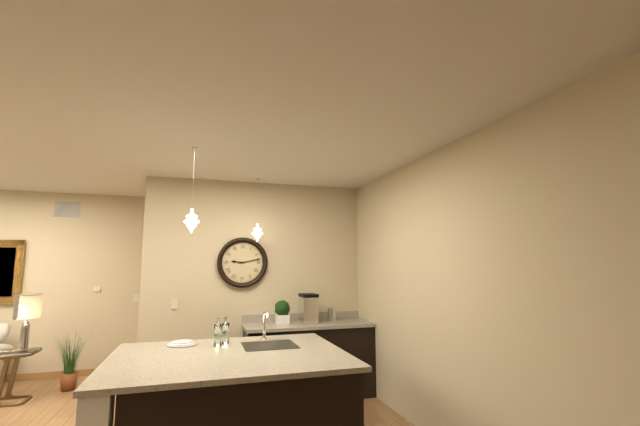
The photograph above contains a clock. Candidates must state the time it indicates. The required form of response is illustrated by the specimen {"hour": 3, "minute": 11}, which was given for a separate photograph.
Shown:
{"hour": 9, "minute": 13}
